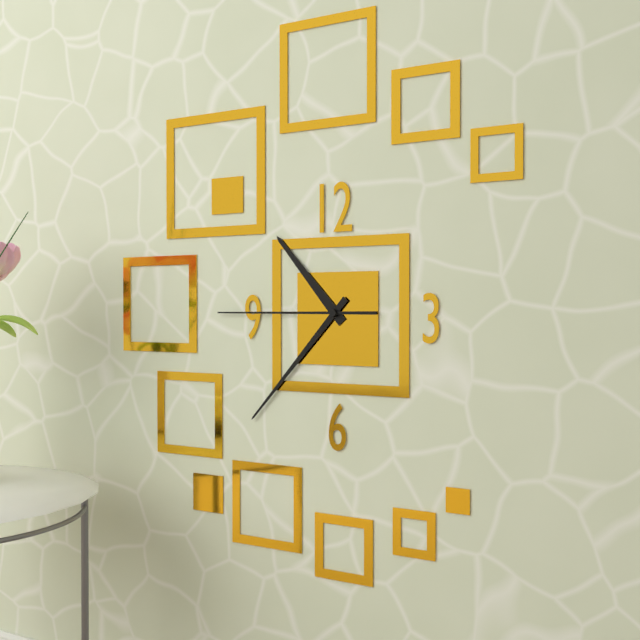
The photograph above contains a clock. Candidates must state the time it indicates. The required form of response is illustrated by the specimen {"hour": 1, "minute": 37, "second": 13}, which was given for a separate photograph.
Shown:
{"hour": 10, "minute": 37, "second": 45}
